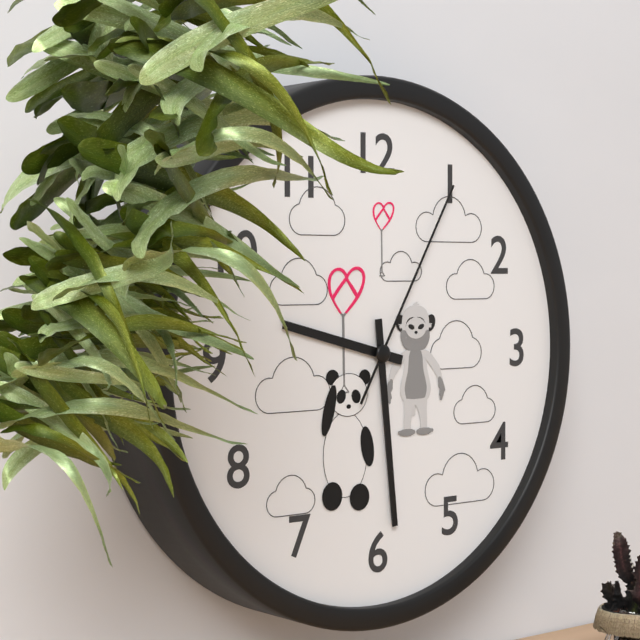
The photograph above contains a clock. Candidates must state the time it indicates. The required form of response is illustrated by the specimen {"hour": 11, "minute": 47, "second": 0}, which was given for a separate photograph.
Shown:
{"hour": 9, "minute": 29, "second": 5}
